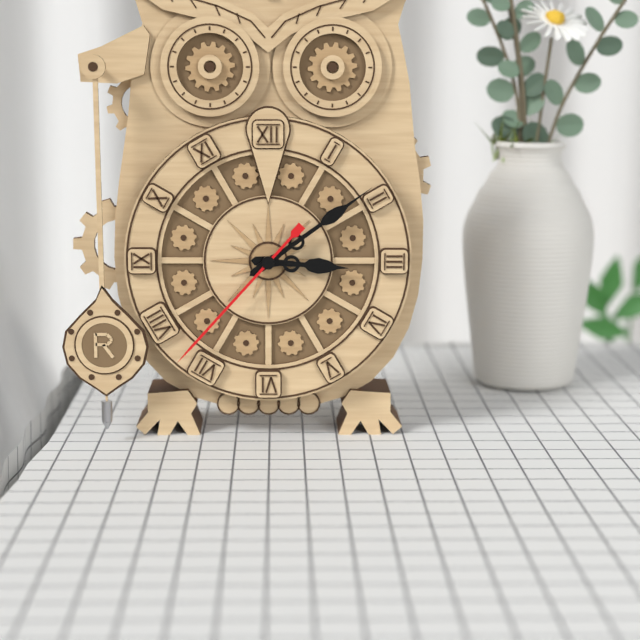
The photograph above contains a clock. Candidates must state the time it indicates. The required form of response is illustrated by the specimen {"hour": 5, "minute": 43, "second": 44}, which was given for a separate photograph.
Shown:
{"hour": 3, "minute": 9, "second": 37}
